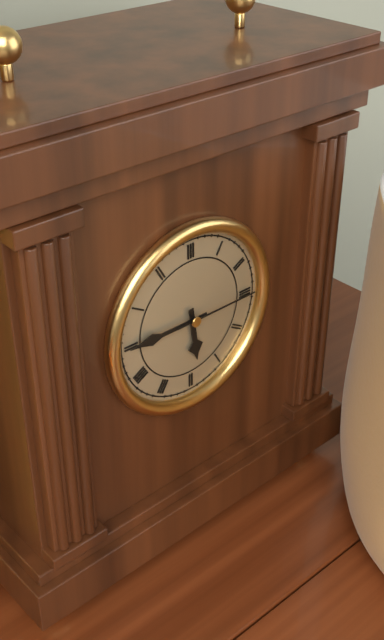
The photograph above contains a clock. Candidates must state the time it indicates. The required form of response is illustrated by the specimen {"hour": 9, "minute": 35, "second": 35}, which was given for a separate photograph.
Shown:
{"hour": 5, "minute": 45, "second": 15}
